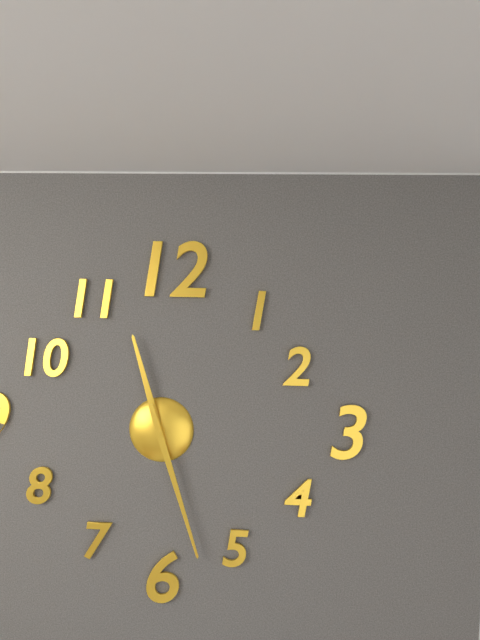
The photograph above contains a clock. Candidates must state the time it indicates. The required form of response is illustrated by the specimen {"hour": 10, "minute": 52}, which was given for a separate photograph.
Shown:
{"hour": 11, "minute": 27}
